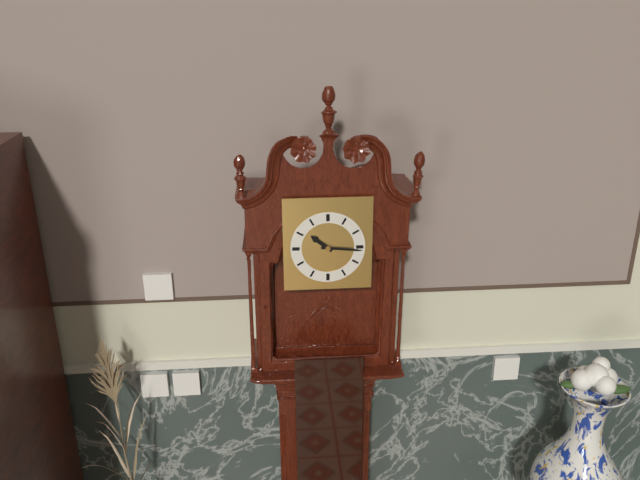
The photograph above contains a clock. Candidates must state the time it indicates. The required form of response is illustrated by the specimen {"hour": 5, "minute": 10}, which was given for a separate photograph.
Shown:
{"hour": 10, "minute": 16}
